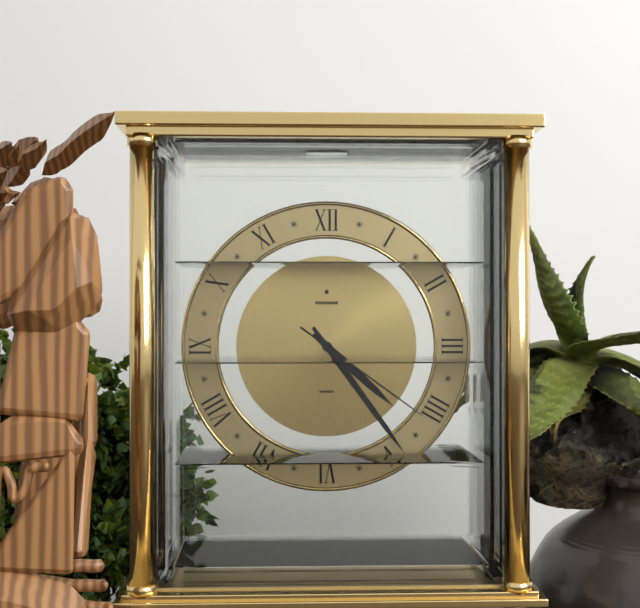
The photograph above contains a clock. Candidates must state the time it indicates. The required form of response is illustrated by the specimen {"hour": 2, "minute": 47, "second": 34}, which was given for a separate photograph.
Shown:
{"hour": 4, "minute": 24, "second": 21}
